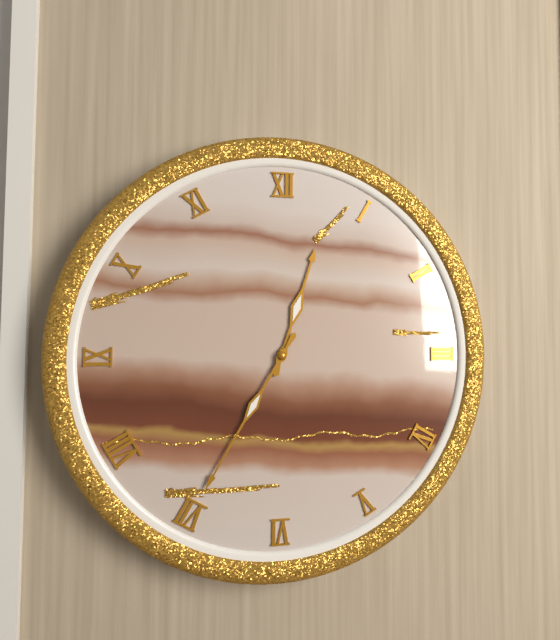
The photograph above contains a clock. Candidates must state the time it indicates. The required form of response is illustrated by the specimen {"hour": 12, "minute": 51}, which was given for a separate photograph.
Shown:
{"hour": 12, "minute": 35}
